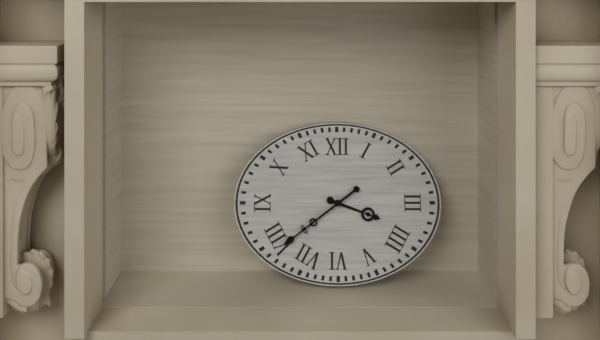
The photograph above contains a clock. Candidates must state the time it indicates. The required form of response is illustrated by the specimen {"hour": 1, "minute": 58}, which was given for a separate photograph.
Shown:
{"hour": 3, "minute": 39}
